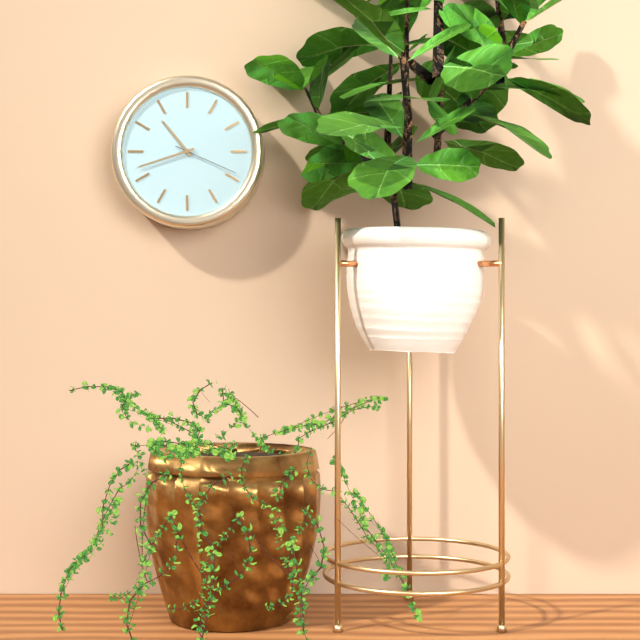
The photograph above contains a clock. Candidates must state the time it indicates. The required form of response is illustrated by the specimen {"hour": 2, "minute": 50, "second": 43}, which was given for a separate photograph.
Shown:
{"hour": 10, "minute": 42, "second": 19}
